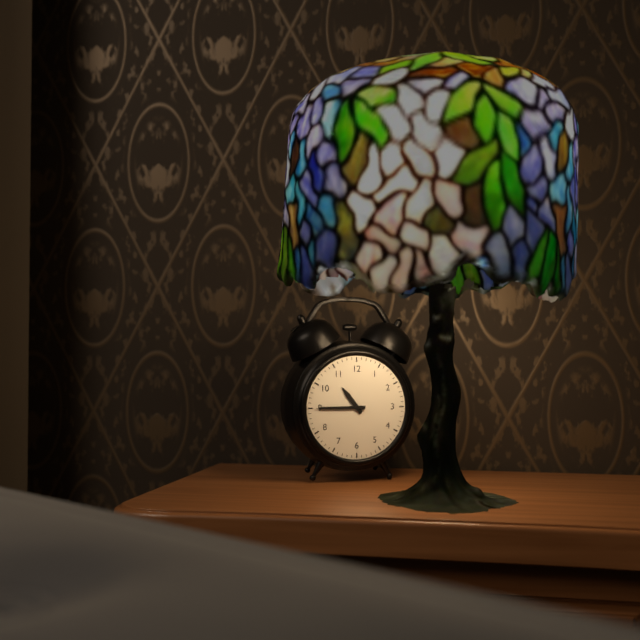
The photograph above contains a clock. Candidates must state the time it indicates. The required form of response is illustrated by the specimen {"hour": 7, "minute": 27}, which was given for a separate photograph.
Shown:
{"hour": 10, "minute": 45}
